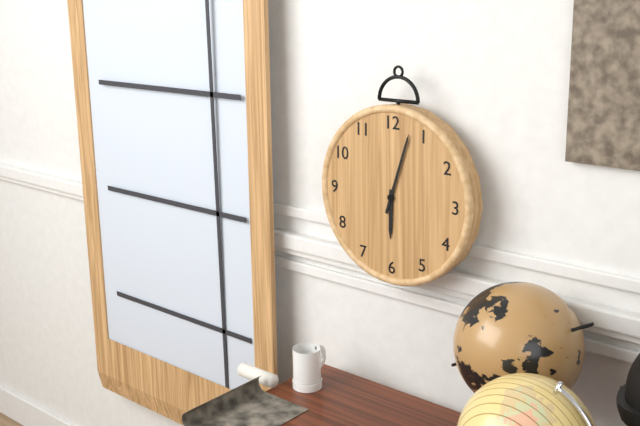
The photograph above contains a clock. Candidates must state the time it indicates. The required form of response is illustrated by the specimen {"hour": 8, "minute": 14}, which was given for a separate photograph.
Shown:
{"hour": 6, "minute": 3}
